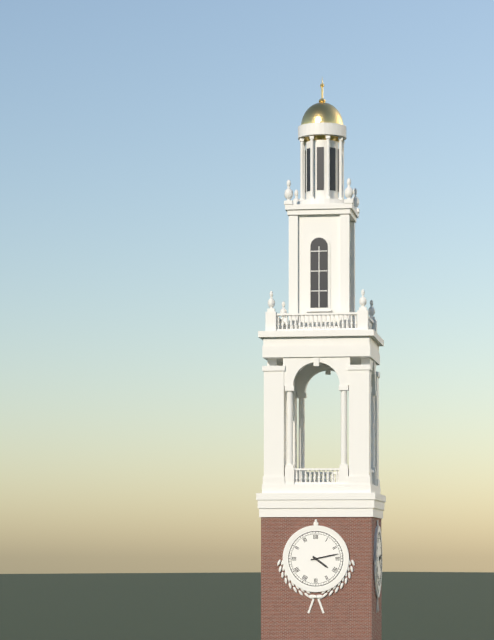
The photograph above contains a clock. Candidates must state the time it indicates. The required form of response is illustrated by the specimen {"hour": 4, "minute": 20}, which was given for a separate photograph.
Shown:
{"hour": 4, "minute": 13}
